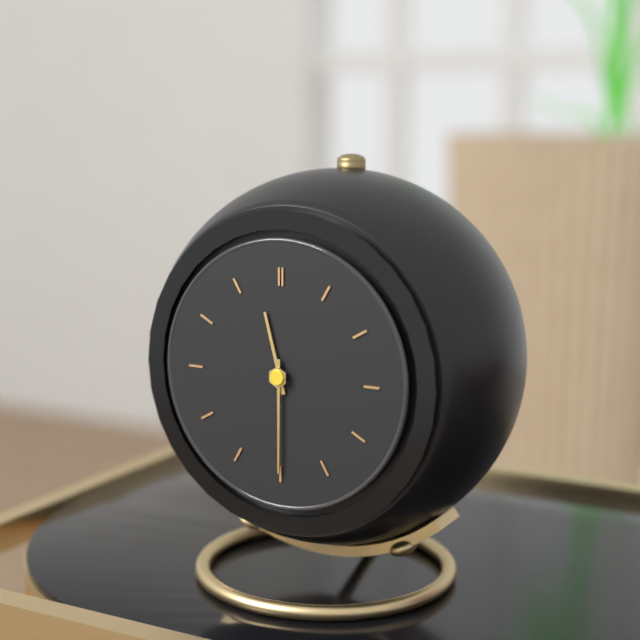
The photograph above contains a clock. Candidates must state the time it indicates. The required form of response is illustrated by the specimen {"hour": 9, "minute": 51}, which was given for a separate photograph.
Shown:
{"hour": 11, "minute": 30}
